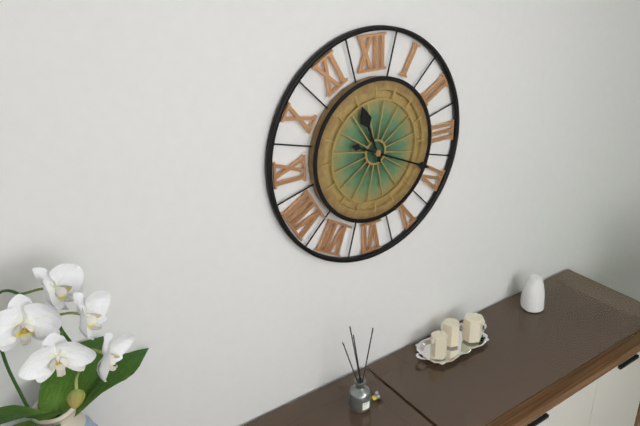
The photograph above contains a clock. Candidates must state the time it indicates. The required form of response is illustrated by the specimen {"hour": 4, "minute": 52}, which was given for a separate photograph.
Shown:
{"hour": 11, "minute": 19}
